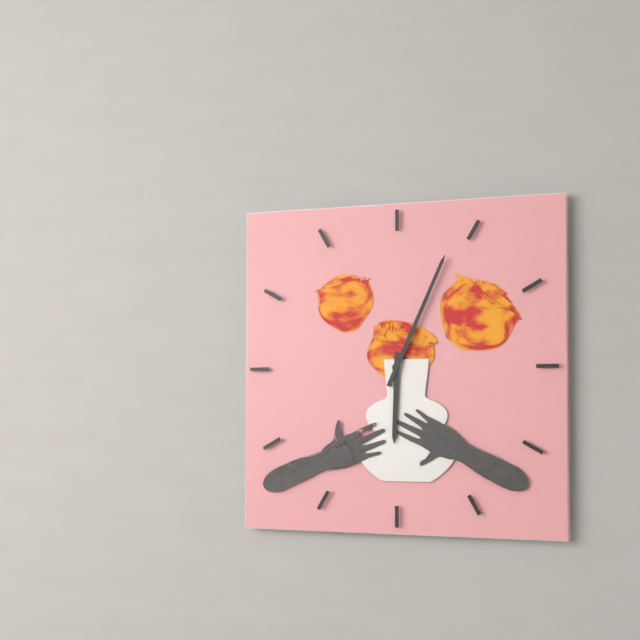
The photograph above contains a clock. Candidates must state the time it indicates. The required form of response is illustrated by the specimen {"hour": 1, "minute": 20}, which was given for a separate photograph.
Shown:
{"hour": 6, "minute": 4}
